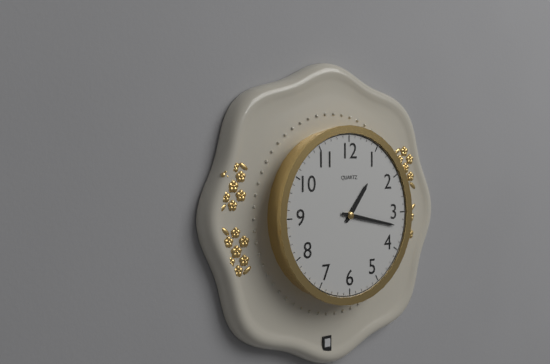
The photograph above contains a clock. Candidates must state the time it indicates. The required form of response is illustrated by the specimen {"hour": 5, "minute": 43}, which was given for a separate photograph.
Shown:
{"hour": 1, "minute": 17}
